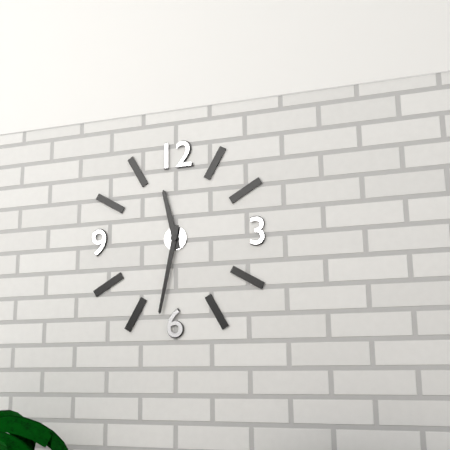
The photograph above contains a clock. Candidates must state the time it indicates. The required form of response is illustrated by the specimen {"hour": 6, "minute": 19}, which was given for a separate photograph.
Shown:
{"hour": 11, "minute": 32}
